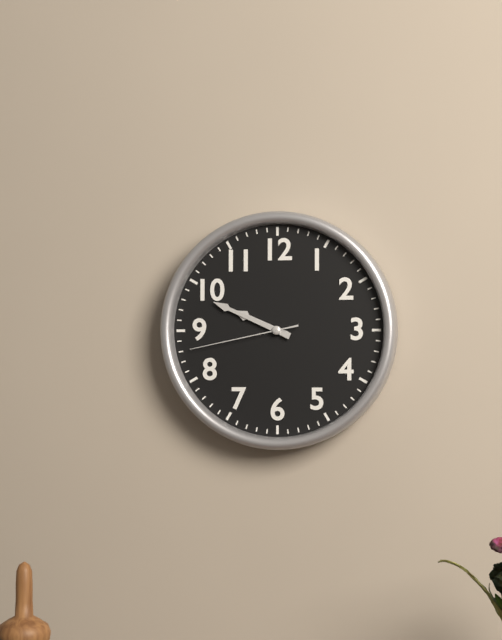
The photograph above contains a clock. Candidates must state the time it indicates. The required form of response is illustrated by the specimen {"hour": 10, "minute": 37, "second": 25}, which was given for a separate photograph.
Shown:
{"hour": 9, "minute": 49, "second": 43}
